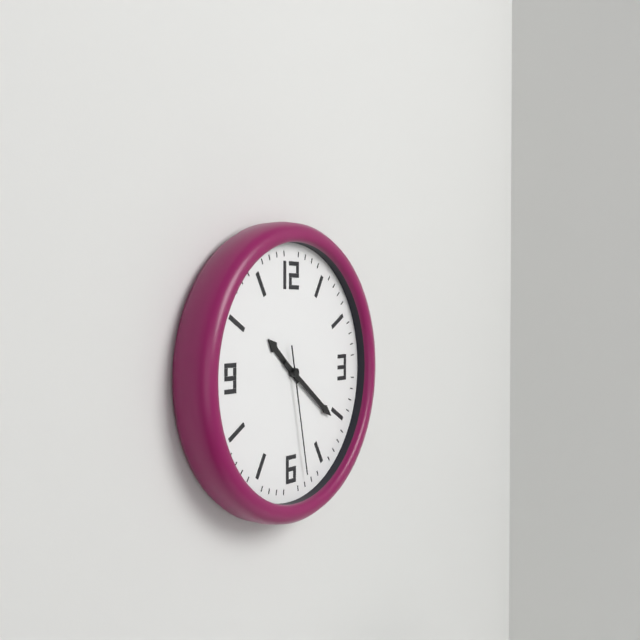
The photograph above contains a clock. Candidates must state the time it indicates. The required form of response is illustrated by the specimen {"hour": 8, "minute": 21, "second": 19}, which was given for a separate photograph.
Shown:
{"hour": 10, "minute": 21, "second": 28}
